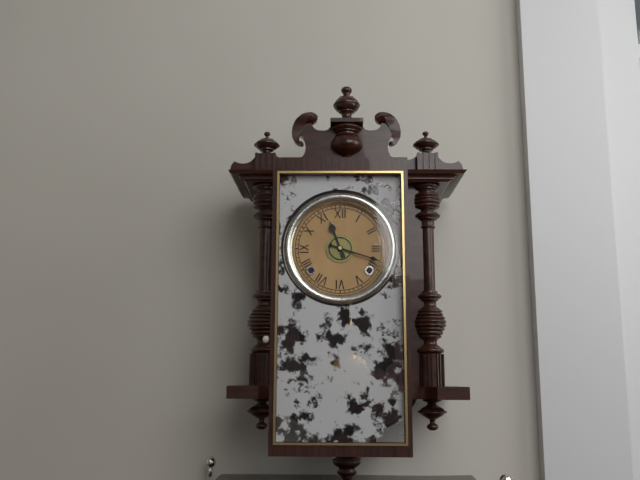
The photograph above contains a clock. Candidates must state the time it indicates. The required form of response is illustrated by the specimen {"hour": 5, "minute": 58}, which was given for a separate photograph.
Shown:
{"hour": 11, "minute": 18}
